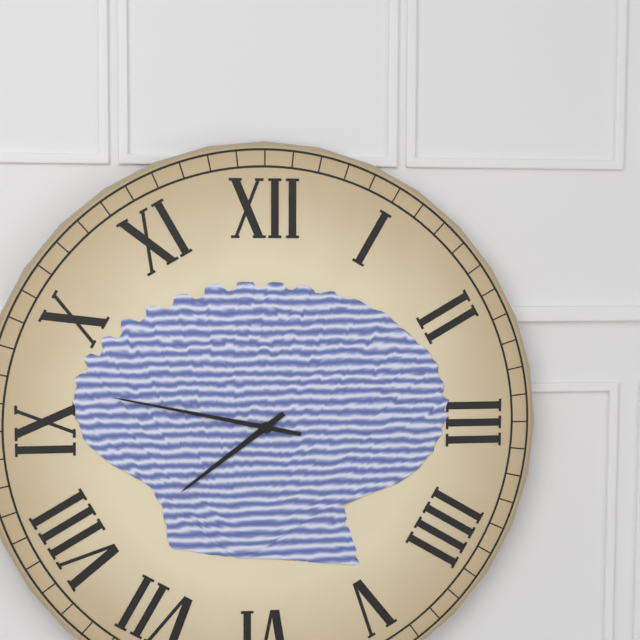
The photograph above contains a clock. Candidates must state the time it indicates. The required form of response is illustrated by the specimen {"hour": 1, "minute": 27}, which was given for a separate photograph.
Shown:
{"hour": 7, "minute": 47}
